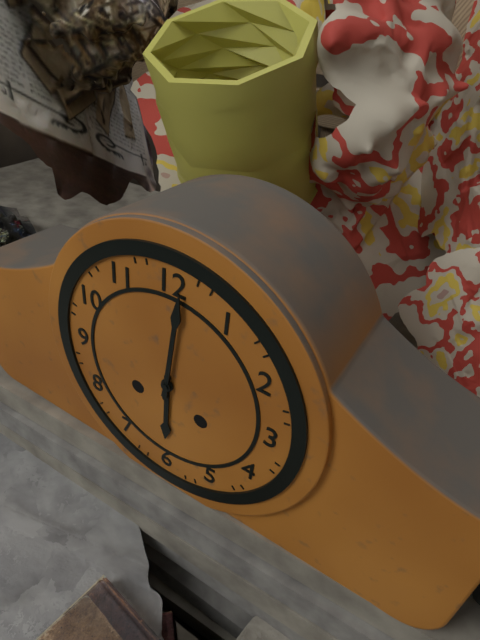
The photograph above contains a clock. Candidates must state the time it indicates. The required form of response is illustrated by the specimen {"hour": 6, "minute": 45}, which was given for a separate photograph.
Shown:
{"hour": 6, "minute": 1}
